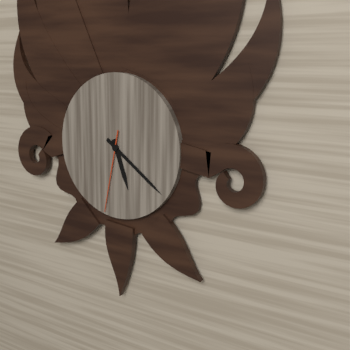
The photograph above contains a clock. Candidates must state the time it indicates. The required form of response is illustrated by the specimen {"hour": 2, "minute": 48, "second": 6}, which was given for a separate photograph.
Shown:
{"hour": 5, "minute": 21, "second": 32}
